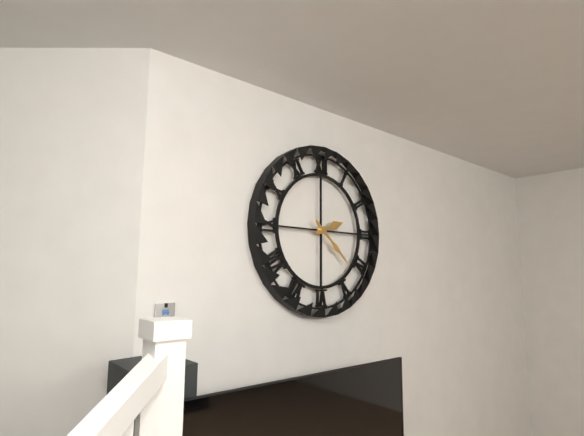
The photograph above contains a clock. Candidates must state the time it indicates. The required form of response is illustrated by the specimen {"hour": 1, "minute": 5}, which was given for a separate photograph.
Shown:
{"hour": 2, "minute": 22}
